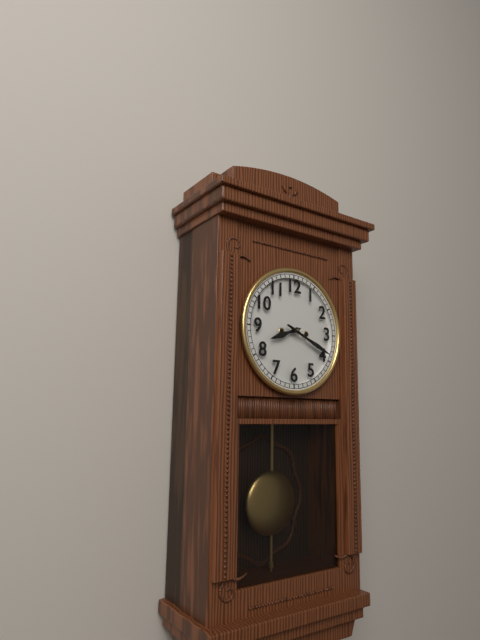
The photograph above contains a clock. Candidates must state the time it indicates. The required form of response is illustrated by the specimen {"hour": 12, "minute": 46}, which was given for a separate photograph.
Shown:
{"hour": 8, "minute": 19}
